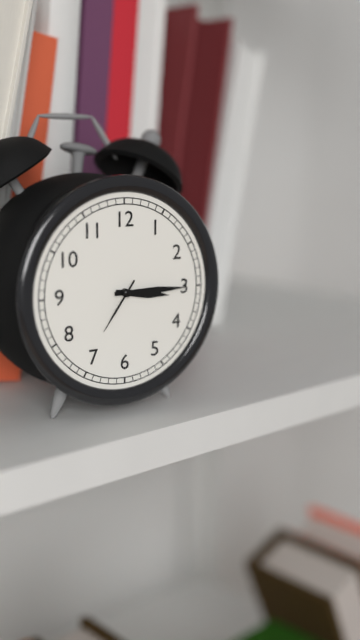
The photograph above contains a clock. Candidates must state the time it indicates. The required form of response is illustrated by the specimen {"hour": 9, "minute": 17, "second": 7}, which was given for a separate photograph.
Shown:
{"hour": 3, "minute": 15, "second": 36}
